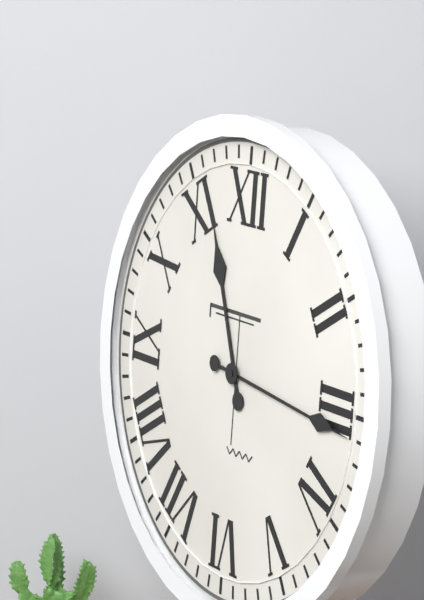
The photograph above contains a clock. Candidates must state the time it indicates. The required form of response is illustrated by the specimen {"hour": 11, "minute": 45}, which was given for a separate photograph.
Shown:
{"hour": 11, "minute": 16}
